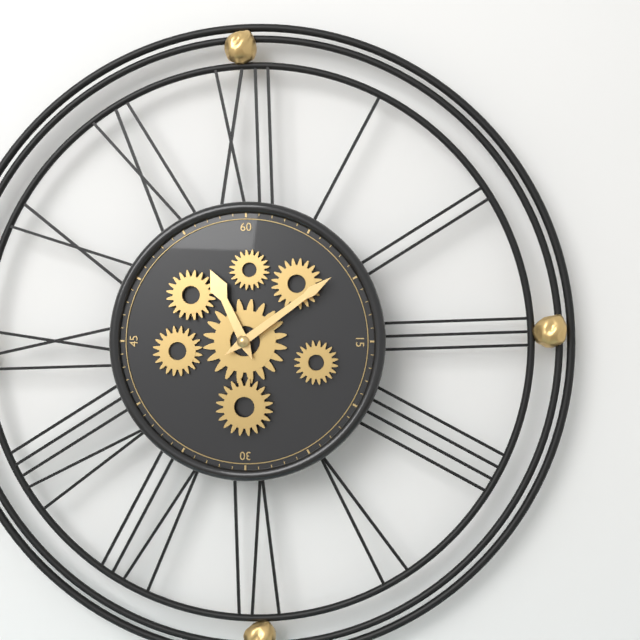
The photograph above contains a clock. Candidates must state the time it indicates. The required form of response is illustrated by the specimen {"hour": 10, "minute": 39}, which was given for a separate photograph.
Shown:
{"hour": 11, "minute": 9}
